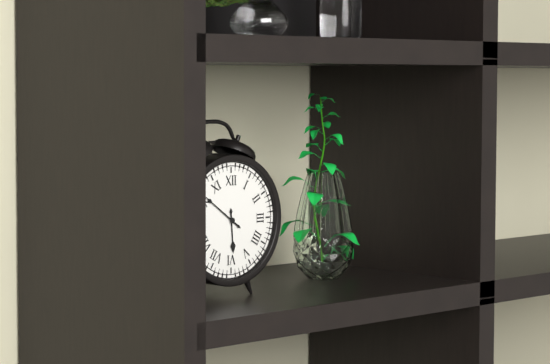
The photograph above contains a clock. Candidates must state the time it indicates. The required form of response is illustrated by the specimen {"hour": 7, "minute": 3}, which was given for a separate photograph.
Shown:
{"hour": 5, "minute": 51}
